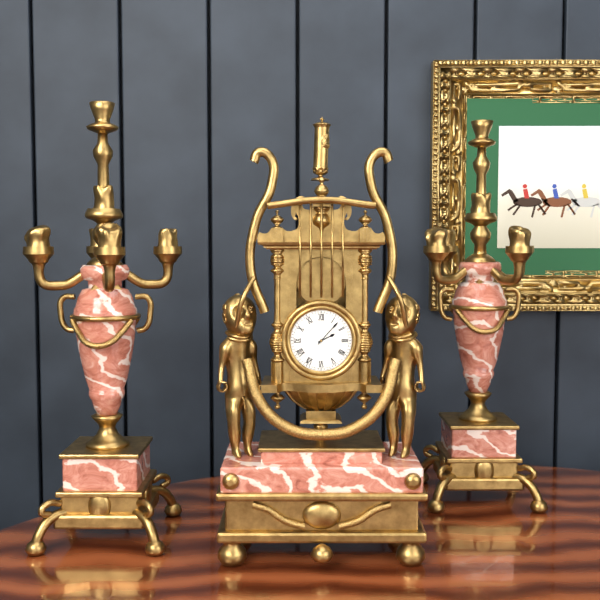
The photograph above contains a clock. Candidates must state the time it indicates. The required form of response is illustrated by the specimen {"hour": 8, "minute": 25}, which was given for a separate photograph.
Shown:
{"hour": 2, "minute": 7}
